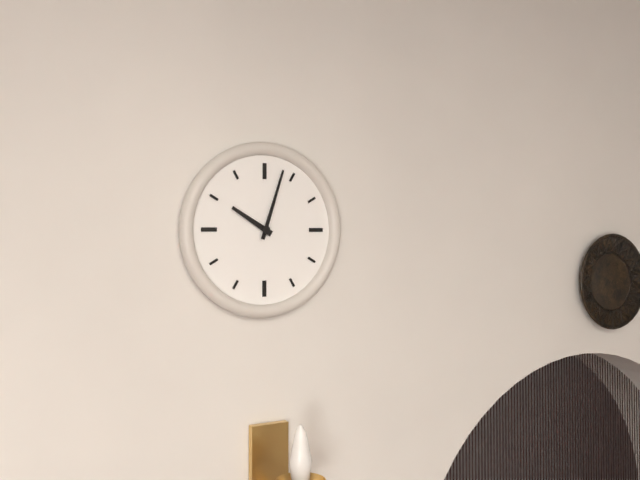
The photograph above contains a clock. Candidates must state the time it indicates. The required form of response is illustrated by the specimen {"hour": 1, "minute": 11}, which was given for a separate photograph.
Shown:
{"hour": 10, "minute": 3}
